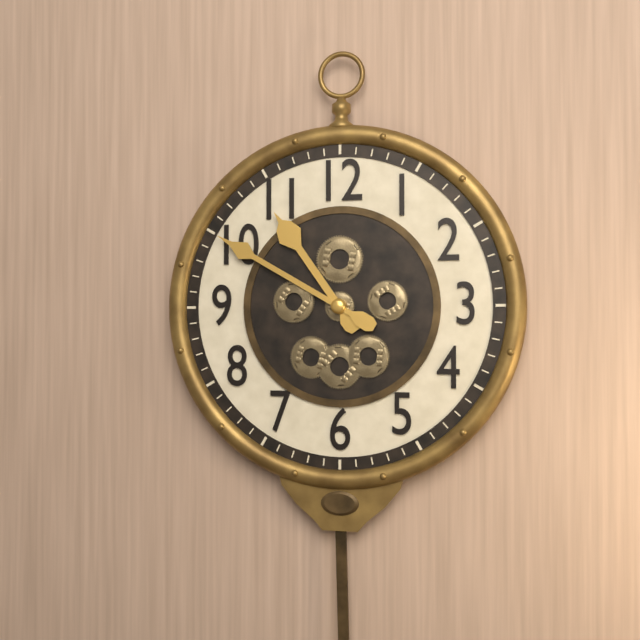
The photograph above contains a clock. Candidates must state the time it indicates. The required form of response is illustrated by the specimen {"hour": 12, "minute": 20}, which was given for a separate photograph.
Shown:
{"hour": 10, "minute": 50}
